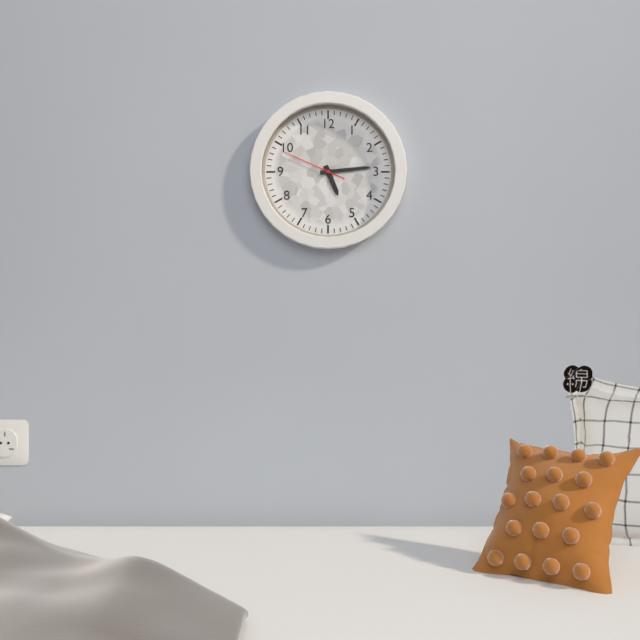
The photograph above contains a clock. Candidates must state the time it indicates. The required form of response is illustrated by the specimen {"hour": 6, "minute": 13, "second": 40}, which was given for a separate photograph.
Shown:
{"hour": 5, "minute": 14, "second": 49}
